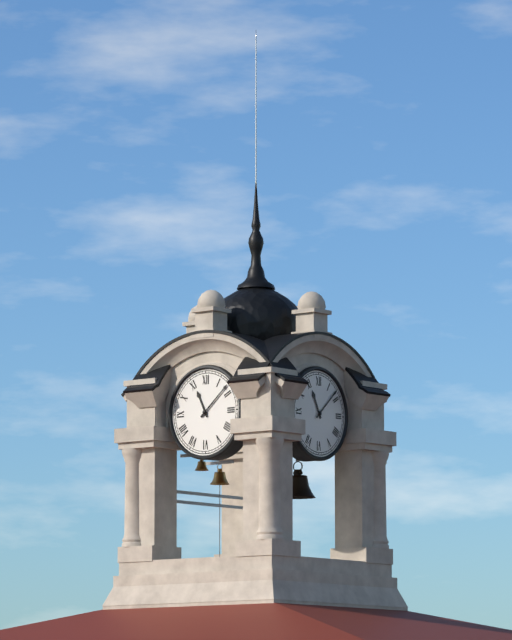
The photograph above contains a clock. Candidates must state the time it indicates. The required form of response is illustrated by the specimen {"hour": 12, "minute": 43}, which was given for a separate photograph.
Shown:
{"hour": 11, "minute": 8}
